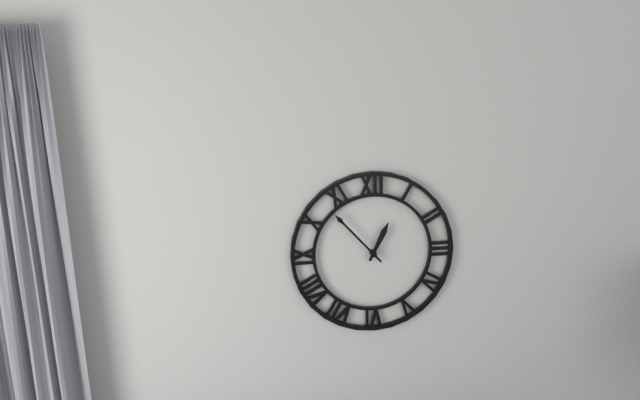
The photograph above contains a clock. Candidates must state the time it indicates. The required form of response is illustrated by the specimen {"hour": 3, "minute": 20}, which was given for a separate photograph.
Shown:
{"hour": 12, "minute": 53}
